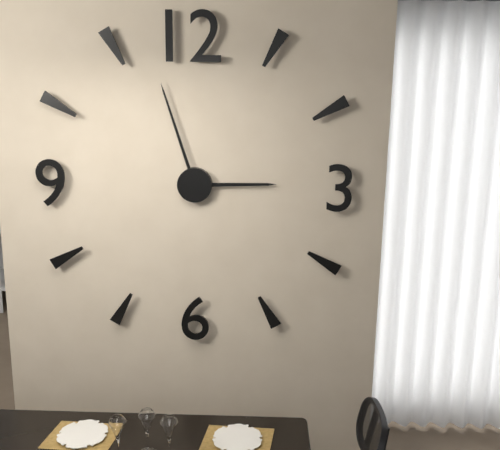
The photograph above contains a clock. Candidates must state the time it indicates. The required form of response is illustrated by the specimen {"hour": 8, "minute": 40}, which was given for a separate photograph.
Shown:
{"hour": 2, "minute": 57}
